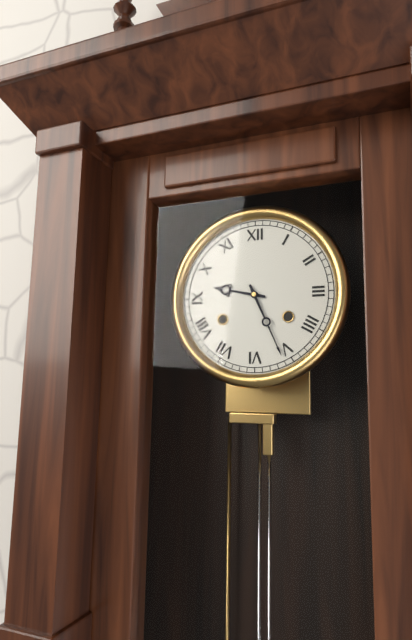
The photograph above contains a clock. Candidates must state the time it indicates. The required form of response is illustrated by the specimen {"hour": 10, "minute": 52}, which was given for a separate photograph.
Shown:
{"hour": 9, "minute": 26}
